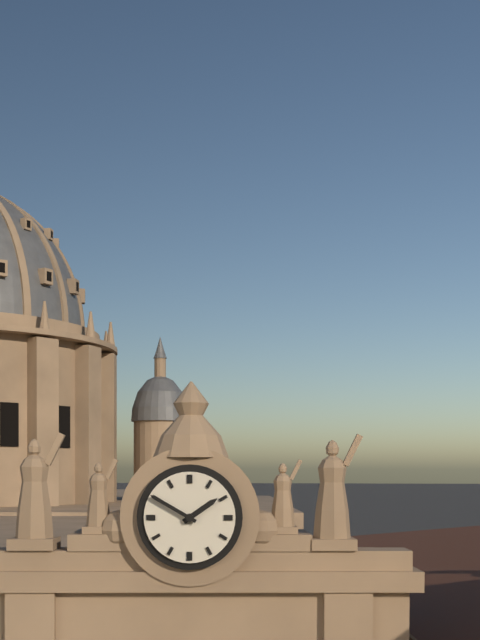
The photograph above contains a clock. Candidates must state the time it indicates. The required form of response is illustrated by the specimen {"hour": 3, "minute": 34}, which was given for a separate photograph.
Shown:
{"hour": 1, "minute": 50}
